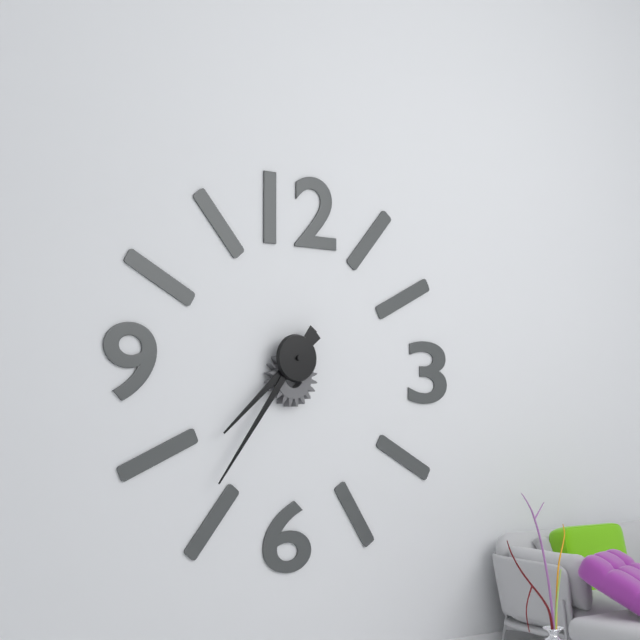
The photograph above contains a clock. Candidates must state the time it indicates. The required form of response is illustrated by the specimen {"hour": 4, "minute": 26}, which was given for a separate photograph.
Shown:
{"hour": 7, "minute": 36}
